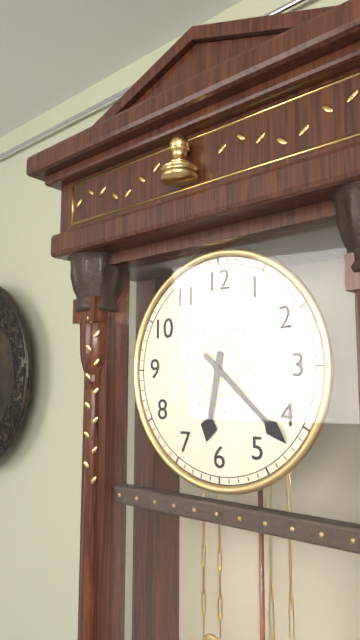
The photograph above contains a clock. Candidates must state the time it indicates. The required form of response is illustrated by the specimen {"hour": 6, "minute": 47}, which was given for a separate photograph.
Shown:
{"hour": 6, "minute": 22}
